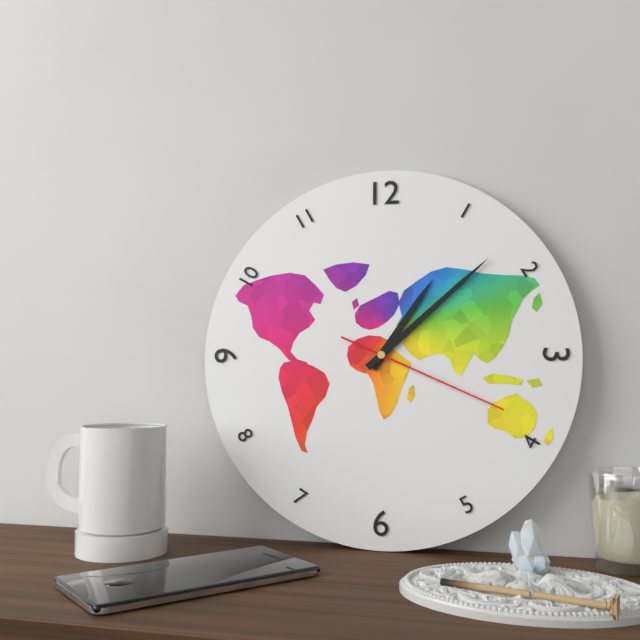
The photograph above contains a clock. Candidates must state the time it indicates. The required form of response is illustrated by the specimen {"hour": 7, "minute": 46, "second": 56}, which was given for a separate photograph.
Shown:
{"hour": 1, "minute": 8, "second": 19}
